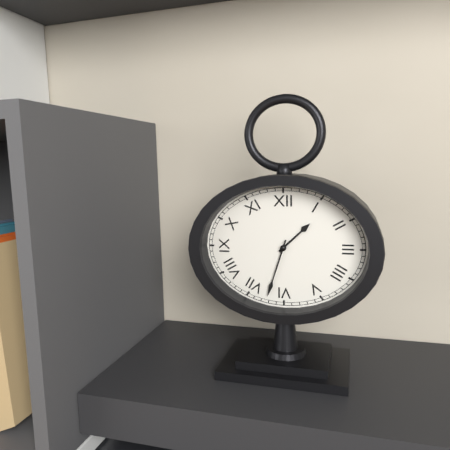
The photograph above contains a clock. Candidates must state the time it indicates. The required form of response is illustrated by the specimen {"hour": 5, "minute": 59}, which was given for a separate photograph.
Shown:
{"hour": 1, "minute": 33}
